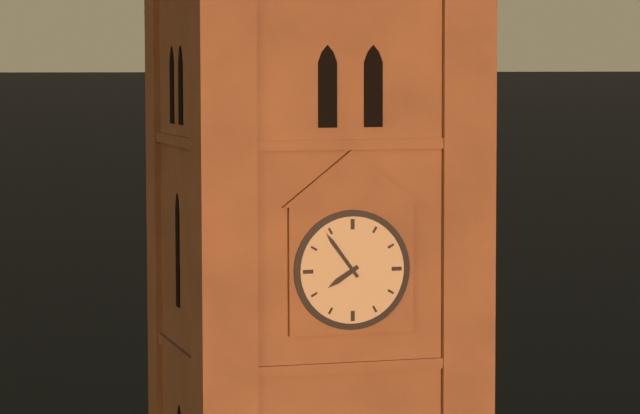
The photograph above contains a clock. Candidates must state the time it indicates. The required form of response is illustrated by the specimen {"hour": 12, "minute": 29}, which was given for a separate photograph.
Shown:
{"hour": 7, "minute": 54}
